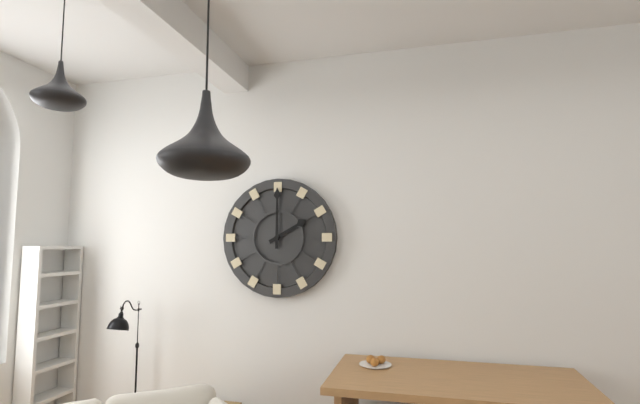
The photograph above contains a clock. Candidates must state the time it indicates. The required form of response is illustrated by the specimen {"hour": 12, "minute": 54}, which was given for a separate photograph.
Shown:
{"hour": 2, "minute": 0}
